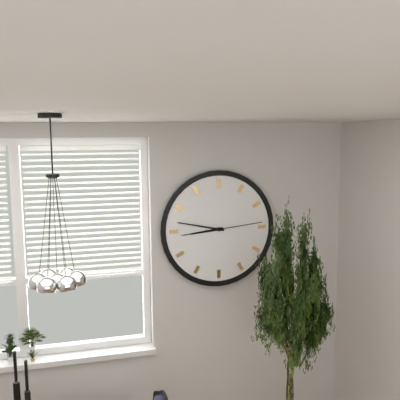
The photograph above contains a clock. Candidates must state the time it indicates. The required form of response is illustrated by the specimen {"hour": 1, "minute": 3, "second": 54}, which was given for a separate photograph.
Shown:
{"hour": 8, "minute": 47, "second": 14}
